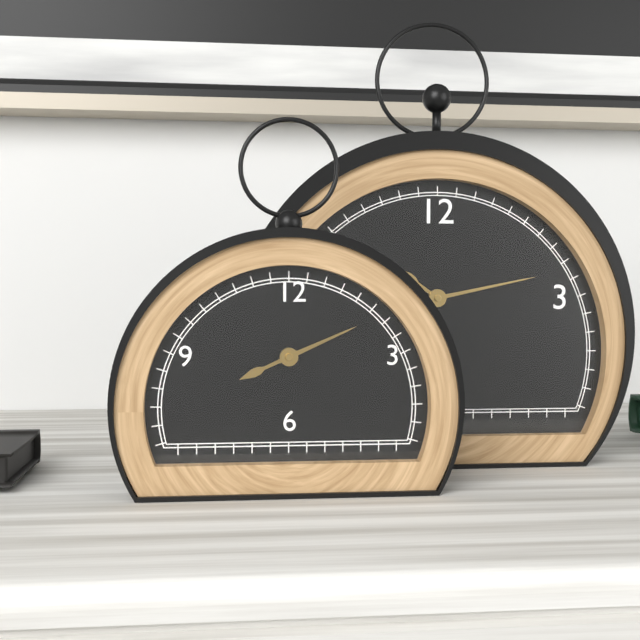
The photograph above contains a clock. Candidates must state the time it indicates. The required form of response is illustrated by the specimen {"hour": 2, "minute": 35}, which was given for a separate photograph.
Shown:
{"hour": 8, "minute": 11}
